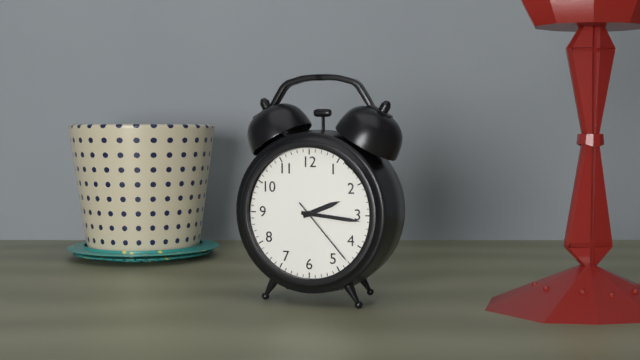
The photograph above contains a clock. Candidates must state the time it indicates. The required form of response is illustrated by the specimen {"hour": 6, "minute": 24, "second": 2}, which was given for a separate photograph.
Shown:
{"hour": 2, "minute": 16, "second": 23}
